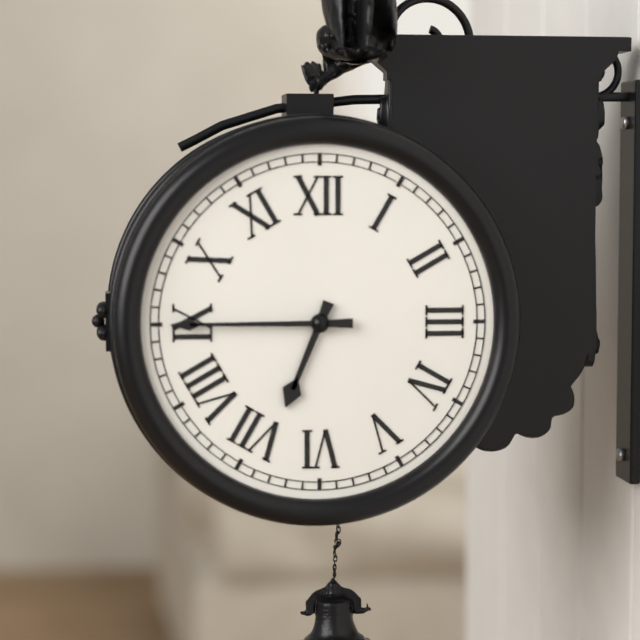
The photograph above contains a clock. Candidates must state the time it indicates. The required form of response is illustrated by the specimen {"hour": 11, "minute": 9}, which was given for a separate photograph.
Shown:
{"hour": 6, "minute": 45}
